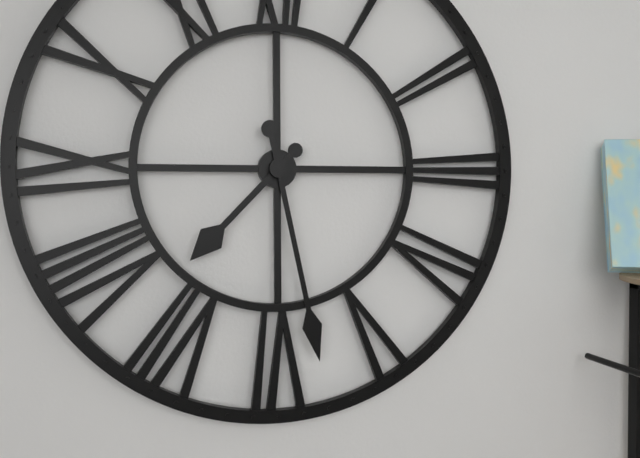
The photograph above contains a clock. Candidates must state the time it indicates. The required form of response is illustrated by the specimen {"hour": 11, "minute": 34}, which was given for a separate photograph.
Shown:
{"hour": 7, "minute": 28}
